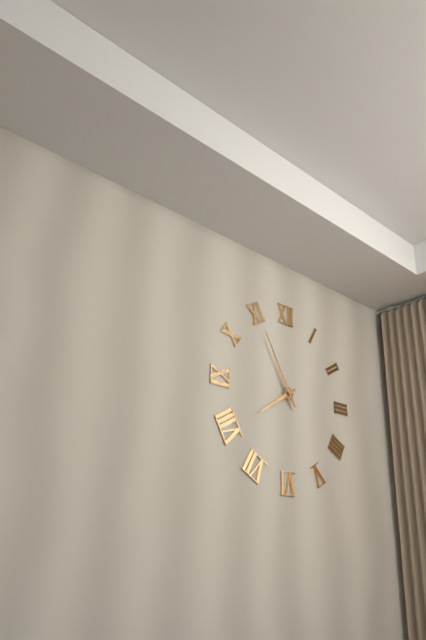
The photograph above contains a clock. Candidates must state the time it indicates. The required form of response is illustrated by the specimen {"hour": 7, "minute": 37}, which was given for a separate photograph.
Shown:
{"hour": 7, "minute": 55}
